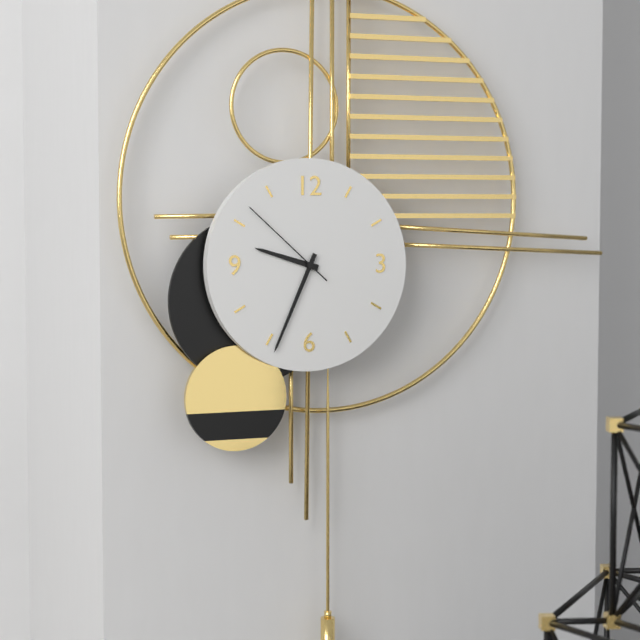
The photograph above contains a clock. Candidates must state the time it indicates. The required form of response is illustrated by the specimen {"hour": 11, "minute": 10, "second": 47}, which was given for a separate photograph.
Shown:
{"hour": 9, "minute": 34, "second": 52}
